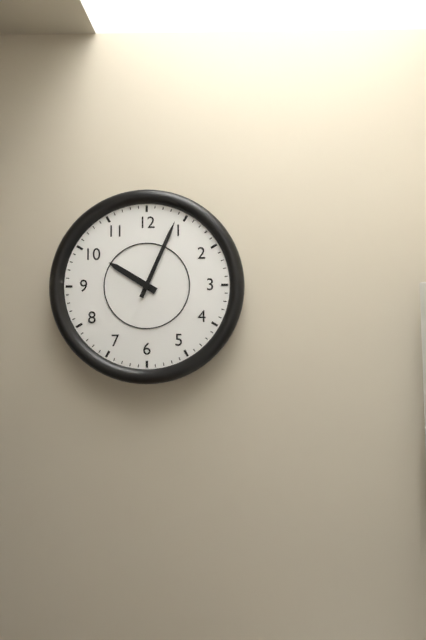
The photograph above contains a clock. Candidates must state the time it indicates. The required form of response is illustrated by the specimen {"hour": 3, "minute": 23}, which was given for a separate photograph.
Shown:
{"hour": 10, "minute": 4}
